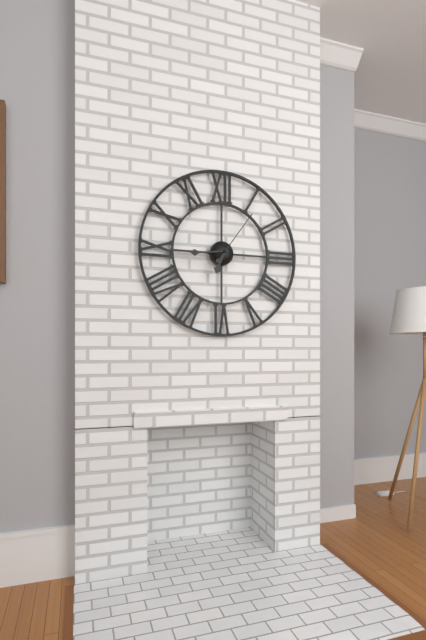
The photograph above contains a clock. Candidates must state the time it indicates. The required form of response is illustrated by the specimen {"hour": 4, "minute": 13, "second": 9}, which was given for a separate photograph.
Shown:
{"hour": 6, "minute": 44, "second": 6}
